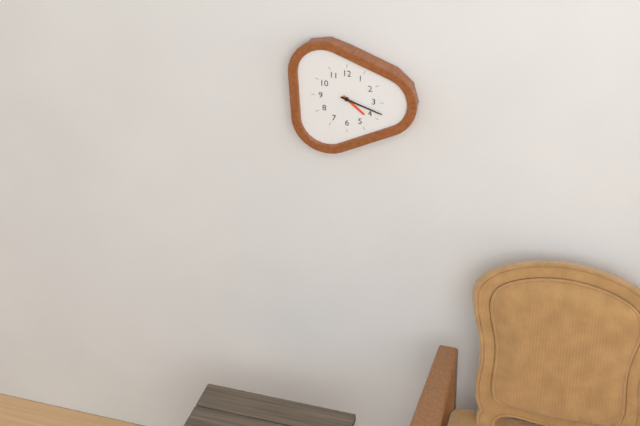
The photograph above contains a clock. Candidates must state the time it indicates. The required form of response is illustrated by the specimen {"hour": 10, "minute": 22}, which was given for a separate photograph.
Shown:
{"hour": 4, "minute": 18}
